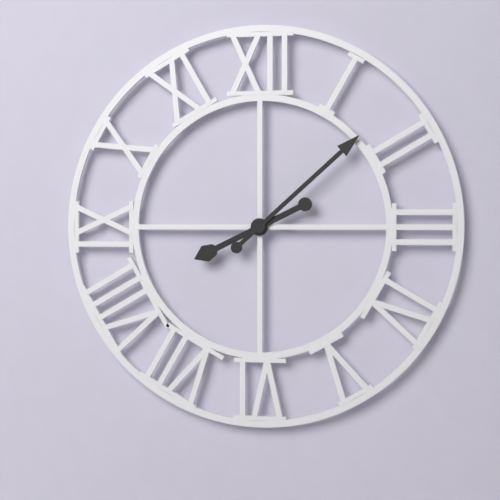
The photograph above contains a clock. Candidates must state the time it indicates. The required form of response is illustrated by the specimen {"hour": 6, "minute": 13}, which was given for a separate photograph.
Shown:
{"hour": 8, "minute": 8}
